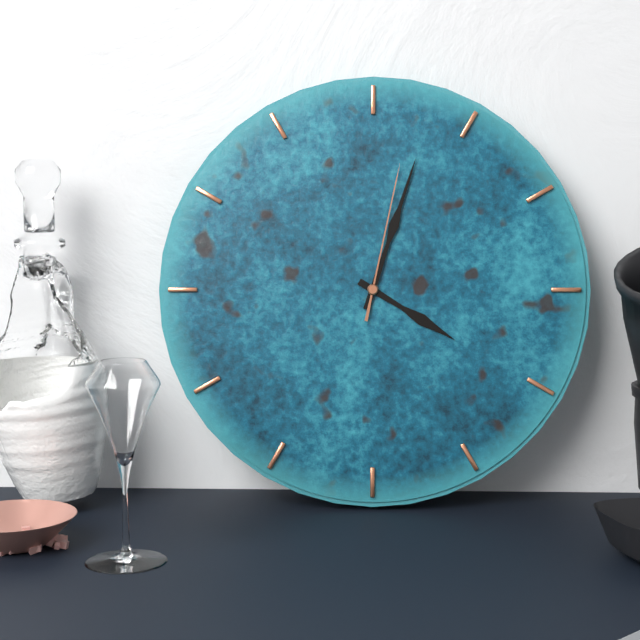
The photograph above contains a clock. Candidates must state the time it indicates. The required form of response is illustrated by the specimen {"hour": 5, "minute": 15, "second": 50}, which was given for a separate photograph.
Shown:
{"hour": 4, "minute": 3, "second": 2}
